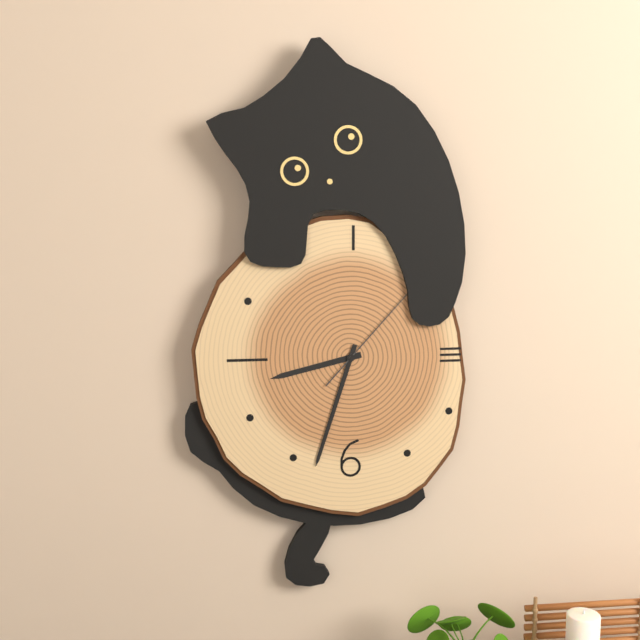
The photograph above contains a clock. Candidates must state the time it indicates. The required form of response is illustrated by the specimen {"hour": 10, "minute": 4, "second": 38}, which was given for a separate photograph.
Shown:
{"hour": 8, "minute": 33, "second": 7}
